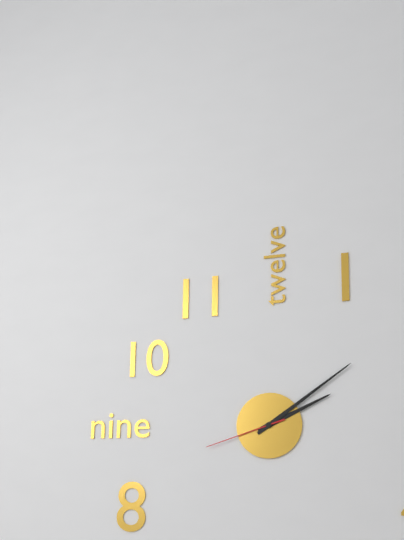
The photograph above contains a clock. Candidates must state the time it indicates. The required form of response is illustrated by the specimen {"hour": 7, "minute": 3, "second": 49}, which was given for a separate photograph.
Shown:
{"hour": 2, "minute": 9, "second": 42}
